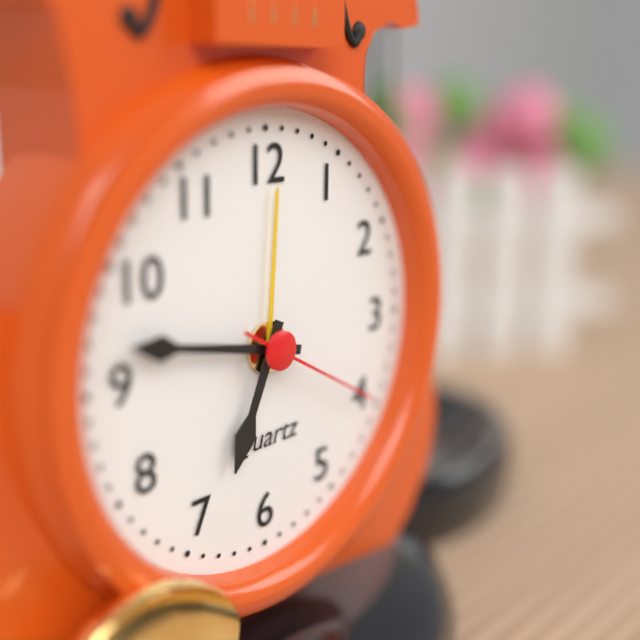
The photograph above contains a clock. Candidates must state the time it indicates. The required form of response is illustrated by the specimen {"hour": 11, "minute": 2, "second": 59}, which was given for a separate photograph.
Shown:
{"hour": 6, "minute": 47, "second": 20}
